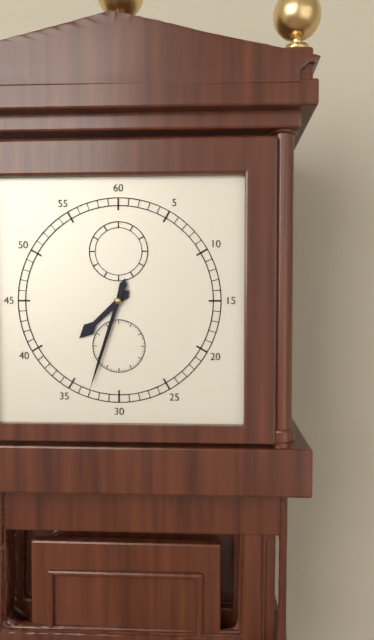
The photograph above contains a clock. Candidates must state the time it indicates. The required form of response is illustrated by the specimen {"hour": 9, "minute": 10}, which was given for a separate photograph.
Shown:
{"hour": 7, "minute": 33}
